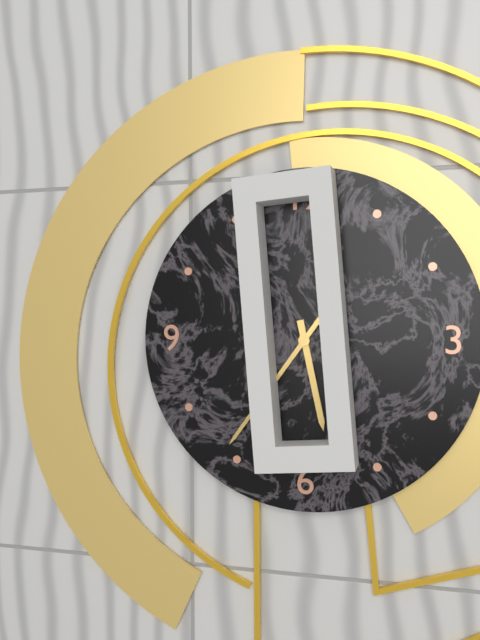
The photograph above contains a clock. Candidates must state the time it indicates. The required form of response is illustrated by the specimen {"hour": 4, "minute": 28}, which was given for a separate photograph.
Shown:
{"hour": 5, "minute": 36}
